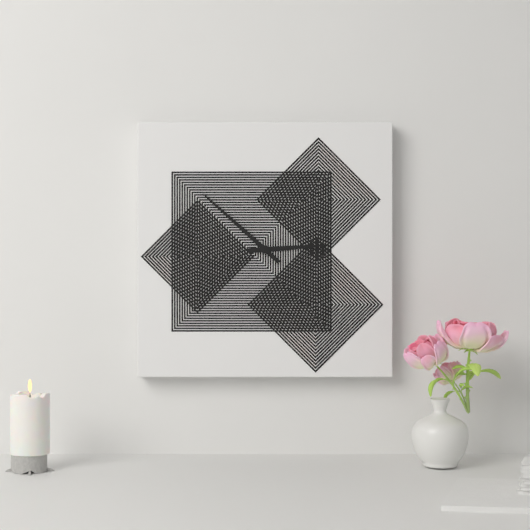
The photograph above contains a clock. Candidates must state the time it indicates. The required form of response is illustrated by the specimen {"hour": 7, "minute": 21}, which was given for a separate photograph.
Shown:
{"hour": 2, "minute": 52}
